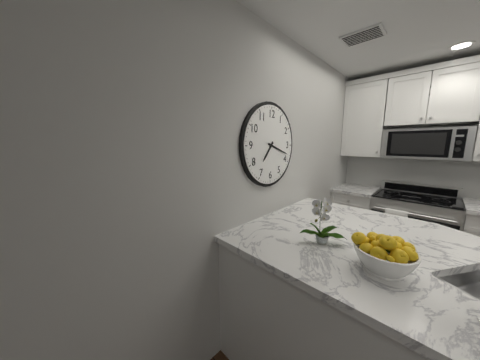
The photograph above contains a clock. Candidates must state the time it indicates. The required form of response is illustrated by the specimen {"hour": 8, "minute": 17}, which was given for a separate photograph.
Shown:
{"hour": 7, "minute": 18}
